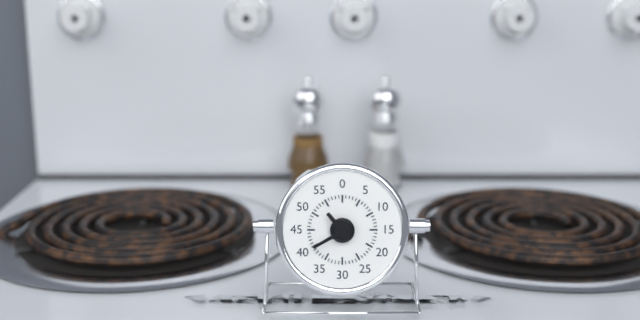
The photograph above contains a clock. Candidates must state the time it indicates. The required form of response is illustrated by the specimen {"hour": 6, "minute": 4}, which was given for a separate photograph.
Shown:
{"hour": 10, "minute": 40}
